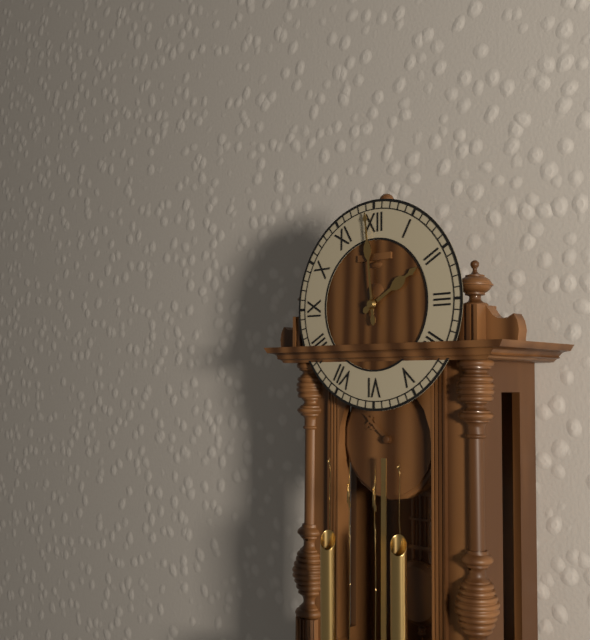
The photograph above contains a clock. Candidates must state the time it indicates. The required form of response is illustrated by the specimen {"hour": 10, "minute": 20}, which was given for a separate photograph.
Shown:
{"hour": 1, "minute": 59}
